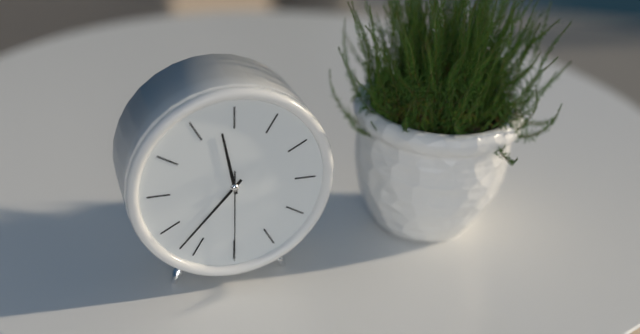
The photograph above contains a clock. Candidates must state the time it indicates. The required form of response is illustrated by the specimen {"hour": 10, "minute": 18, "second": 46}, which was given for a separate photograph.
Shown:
{"hour": 11, "minute": 37, "second": 30}
